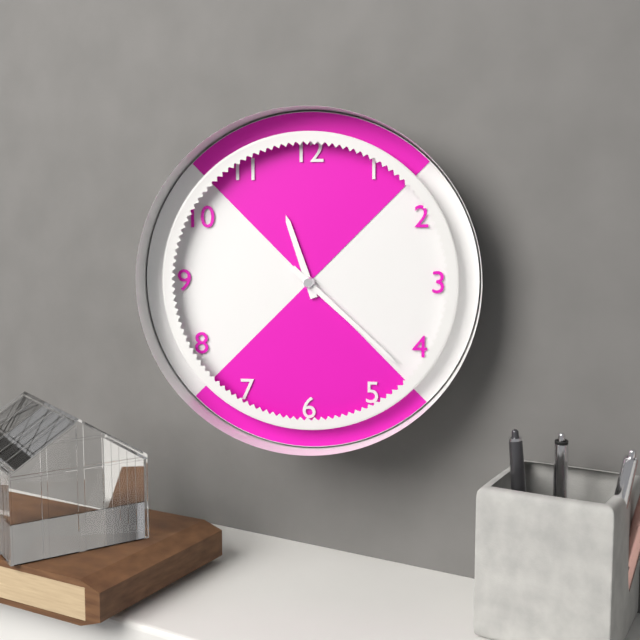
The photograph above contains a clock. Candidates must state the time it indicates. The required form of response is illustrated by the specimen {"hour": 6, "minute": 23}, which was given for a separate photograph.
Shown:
{"hour": 11, "minute": 22}
